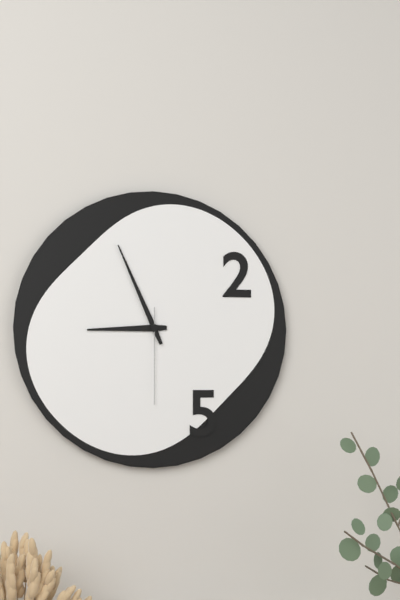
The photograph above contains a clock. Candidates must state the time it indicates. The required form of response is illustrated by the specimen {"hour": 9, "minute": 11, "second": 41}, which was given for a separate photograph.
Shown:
{"hour": 8, "minute": 56, "second": 30}
